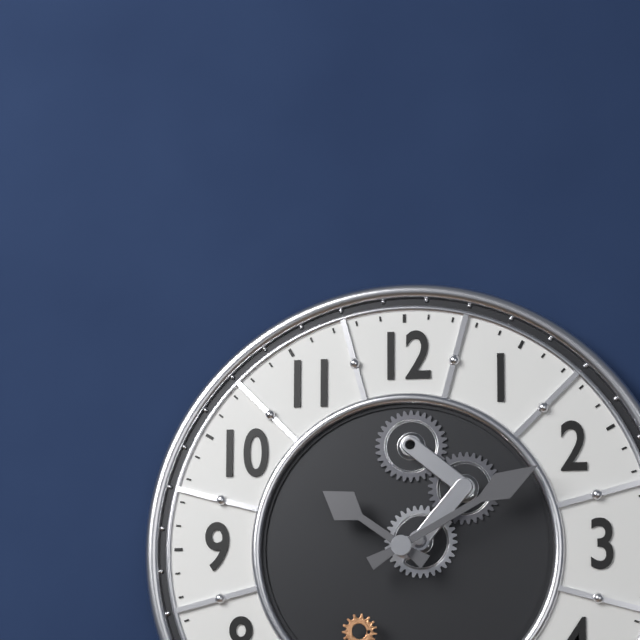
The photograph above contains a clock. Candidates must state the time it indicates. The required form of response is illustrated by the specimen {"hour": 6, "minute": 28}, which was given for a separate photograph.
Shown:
{"hour": 10, "minute": 10}
